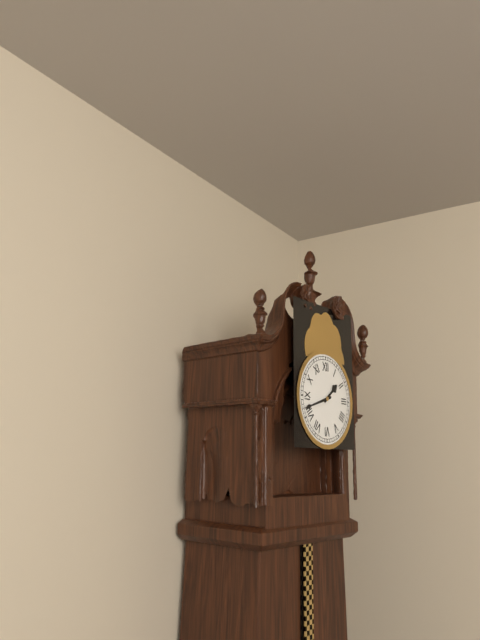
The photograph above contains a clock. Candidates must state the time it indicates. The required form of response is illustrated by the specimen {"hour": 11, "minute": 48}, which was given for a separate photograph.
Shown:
{"hour": 1, "minute": 42}
